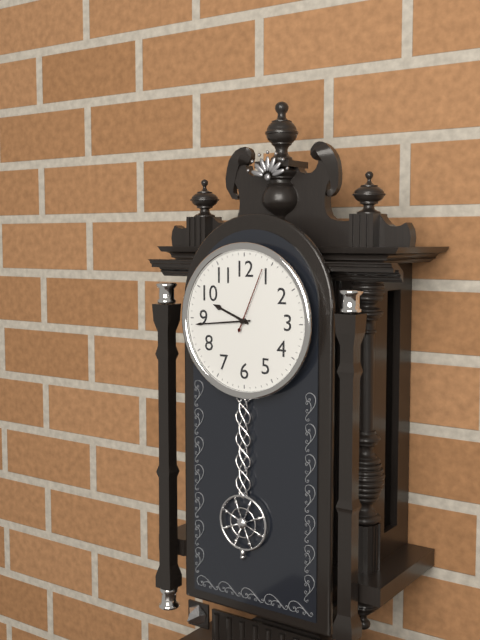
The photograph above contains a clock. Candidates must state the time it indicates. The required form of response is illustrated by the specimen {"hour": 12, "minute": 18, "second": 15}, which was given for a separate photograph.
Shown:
{"hour": 9, "minute": 44, "second": 4}
